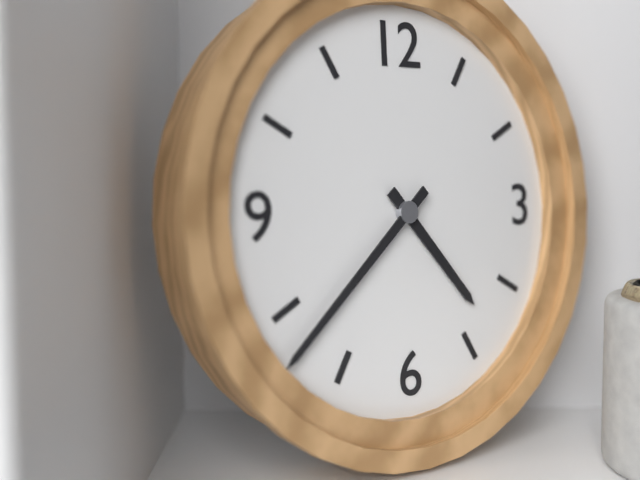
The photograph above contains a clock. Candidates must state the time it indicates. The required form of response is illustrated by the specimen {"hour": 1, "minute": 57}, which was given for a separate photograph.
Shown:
{"hour": 4, "minute": 38}
